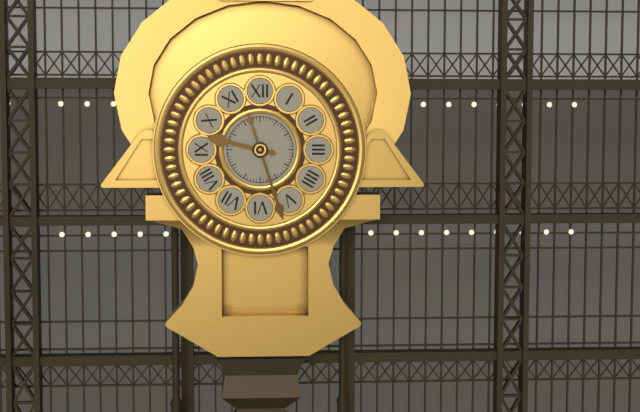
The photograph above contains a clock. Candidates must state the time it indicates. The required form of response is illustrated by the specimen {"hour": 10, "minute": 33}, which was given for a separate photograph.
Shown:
{"hour": 9, "minute": 27}
